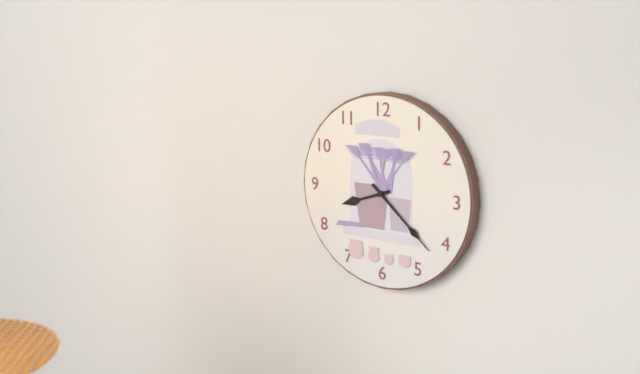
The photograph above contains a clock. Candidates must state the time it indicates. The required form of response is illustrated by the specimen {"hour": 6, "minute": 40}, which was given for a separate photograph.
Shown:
{"hour": 8, "minute": 22}
